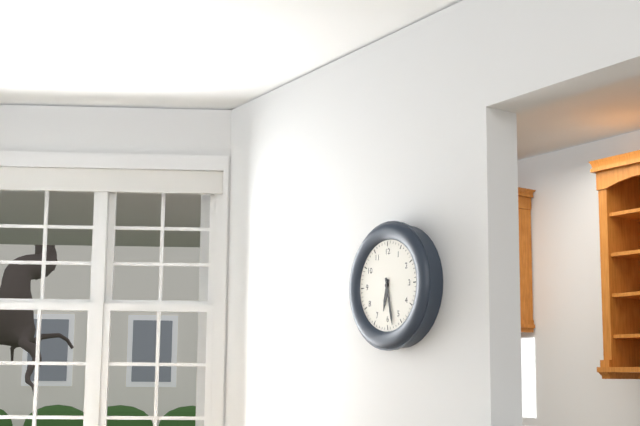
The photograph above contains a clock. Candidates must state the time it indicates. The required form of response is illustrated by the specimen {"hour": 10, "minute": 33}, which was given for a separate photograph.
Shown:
{"hour": 6, "minute": 28}
